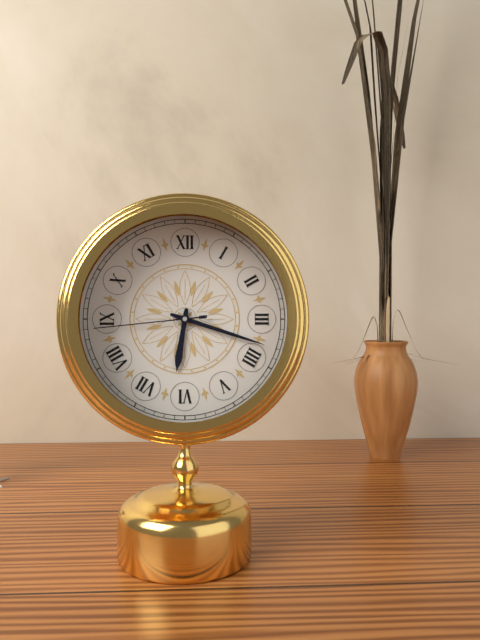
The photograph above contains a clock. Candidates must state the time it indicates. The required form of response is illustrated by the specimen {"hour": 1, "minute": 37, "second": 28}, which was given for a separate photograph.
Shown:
{"hour": 6, "minute": 18, "second": 44}
